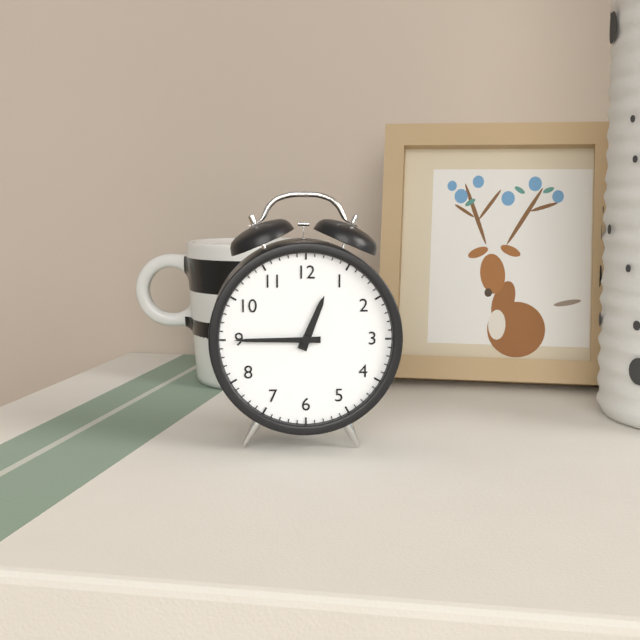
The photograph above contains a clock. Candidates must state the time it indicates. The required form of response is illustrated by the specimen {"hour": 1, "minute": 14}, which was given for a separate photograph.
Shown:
{"hour": 12, "minute": 45}
